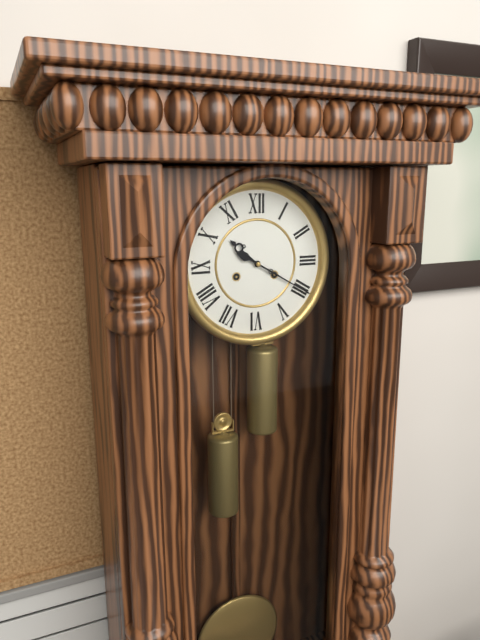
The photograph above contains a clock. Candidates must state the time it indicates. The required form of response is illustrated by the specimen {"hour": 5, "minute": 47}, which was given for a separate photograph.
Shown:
{"hour": 10, "minute": 20}
